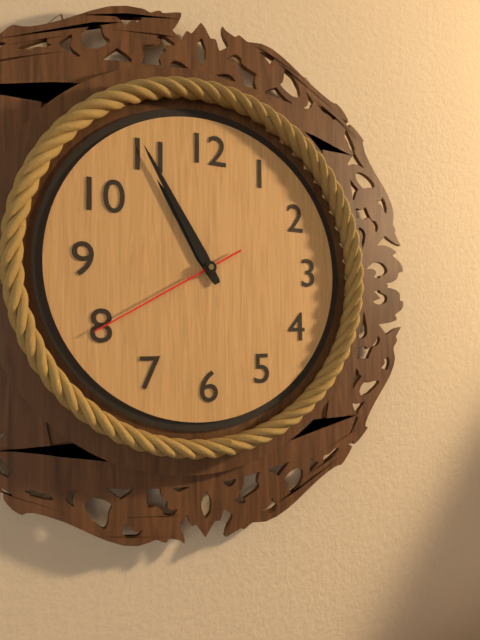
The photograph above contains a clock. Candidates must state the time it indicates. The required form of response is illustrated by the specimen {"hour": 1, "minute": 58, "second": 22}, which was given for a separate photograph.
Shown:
{"hour": 10, "minute": 55, "second": 40}
